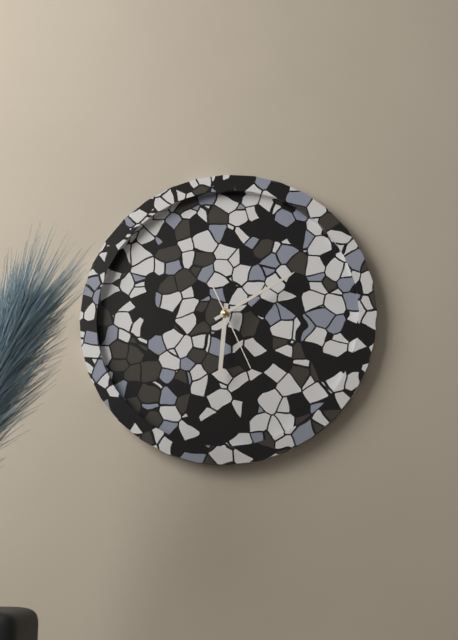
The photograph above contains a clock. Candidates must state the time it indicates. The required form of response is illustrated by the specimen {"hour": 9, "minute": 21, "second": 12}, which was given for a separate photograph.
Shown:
{"hour": 6, "minute": 10, "second": 26}
